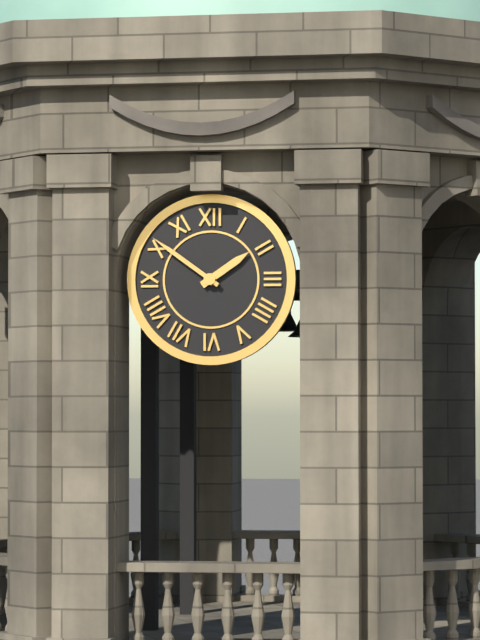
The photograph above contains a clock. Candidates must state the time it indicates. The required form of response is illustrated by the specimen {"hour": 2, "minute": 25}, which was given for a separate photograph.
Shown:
{"hour": 1, "minute": 51}
